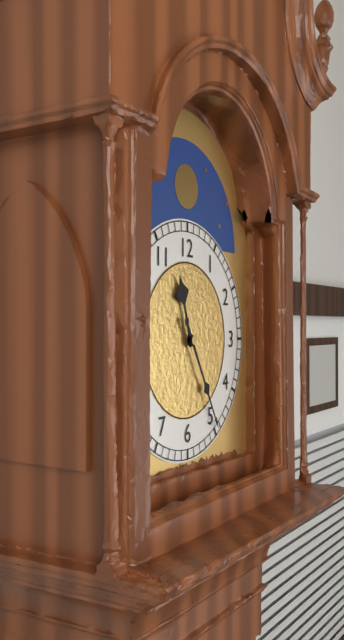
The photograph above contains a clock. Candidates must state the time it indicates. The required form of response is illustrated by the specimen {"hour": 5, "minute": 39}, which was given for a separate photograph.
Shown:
{"hour": 11, "minute": 25}
